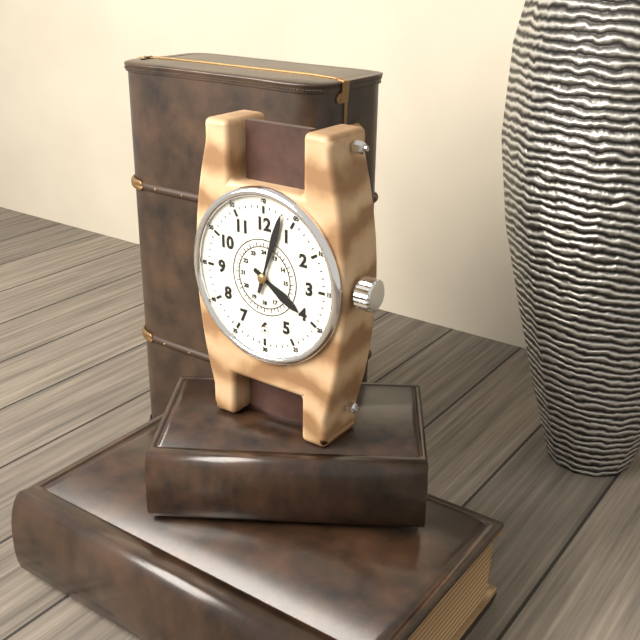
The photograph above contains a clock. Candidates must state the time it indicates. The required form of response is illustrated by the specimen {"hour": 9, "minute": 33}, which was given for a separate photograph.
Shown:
{"hour": 4, "minute": 3}
